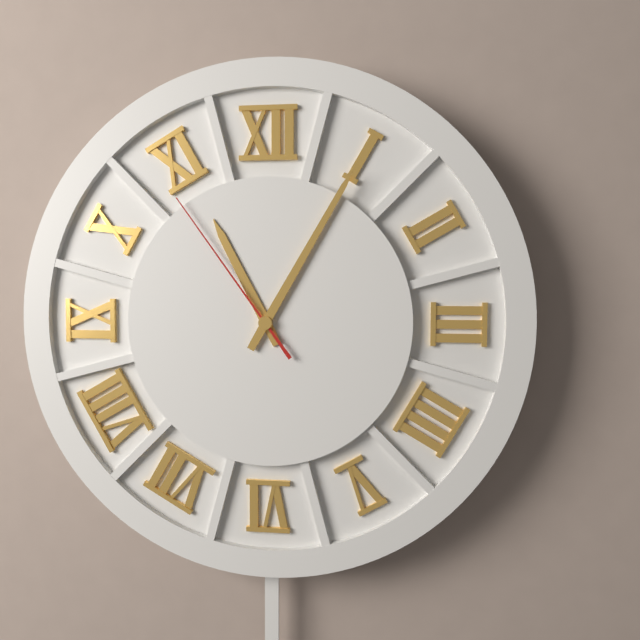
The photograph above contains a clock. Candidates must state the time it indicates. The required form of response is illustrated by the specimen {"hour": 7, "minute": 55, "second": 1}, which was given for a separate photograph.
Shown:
{"hour": 11, "minute": 5, "second": 54}
